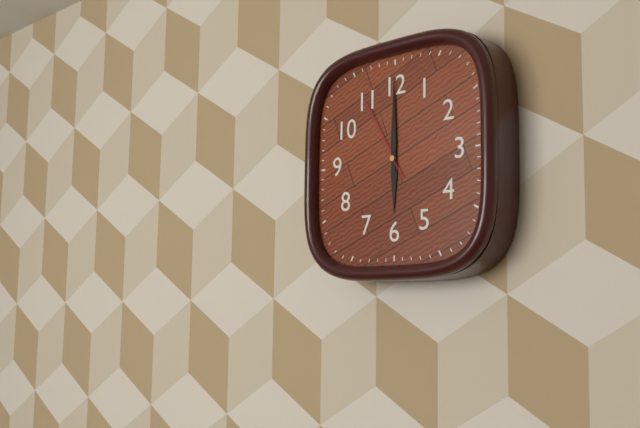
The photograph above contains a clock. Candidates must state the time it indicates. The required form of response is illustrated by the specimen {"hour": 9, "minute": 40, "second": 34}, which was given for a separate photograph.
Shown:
{"hour": 6, "minute": 0, "second": 55}
